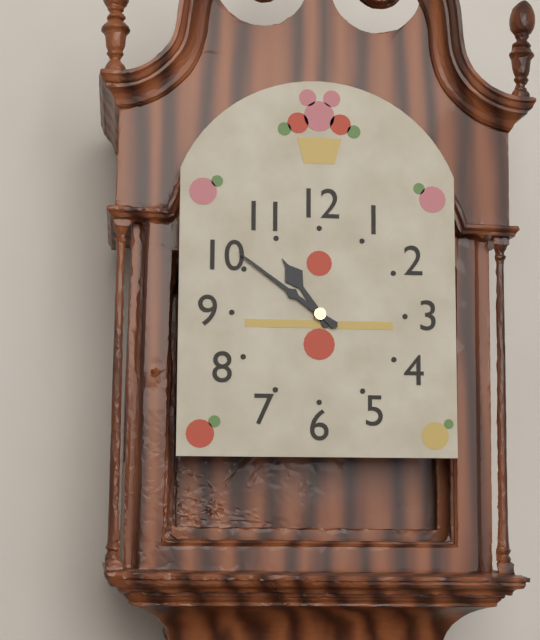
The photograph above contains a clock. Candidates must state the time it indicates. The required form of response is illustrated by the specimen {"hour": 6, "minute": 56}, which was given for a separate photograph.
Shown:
{"hour": 10, "minute": 51}
